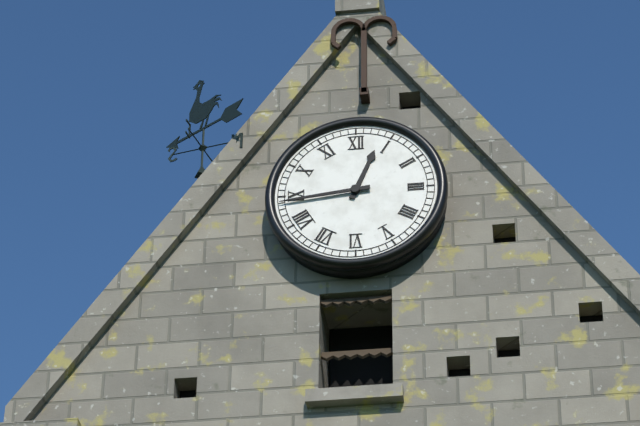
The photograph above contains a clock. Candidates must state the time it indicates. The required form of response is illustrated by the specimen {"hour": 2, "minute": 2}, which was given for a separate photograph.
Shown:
{"hour": 12, "minute": 44}
